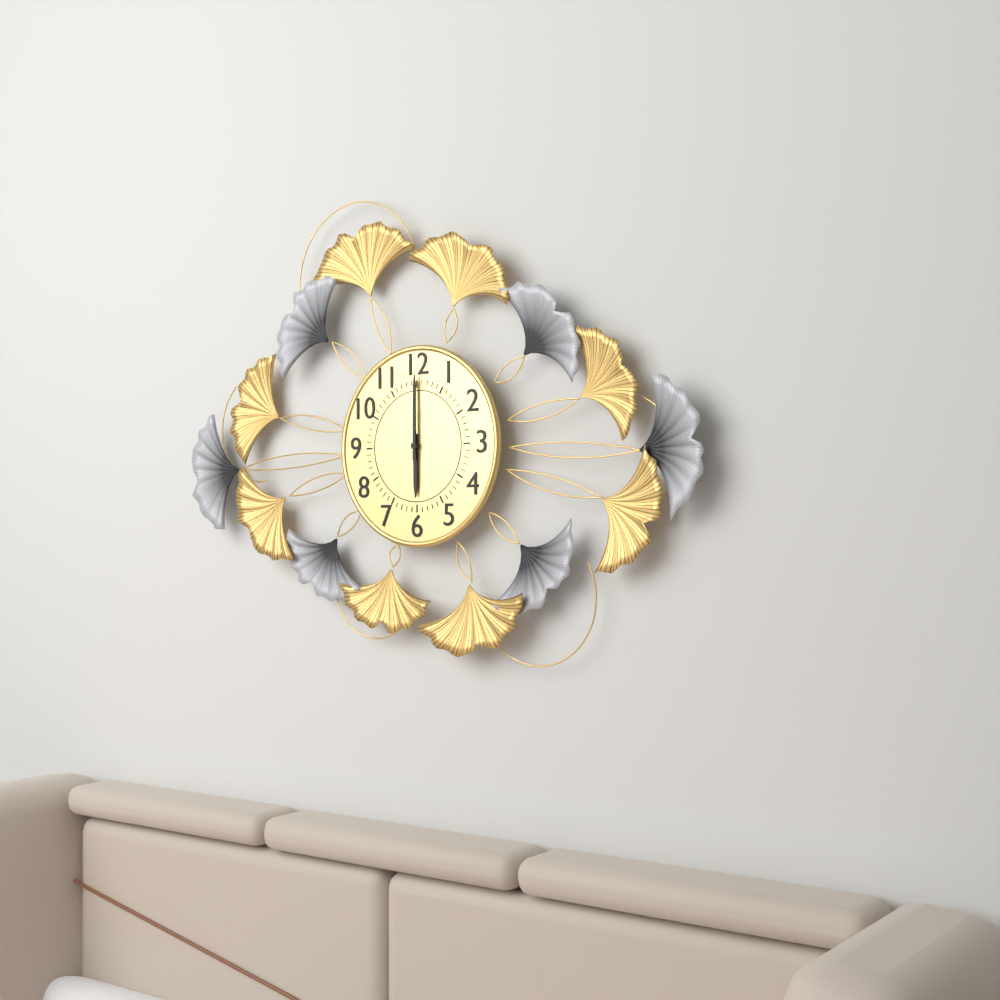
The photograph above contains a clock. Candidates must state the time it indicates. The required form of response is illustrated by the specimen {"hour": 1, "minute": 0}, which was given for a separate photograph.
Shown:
{"hour": 6, "minute": 0}
